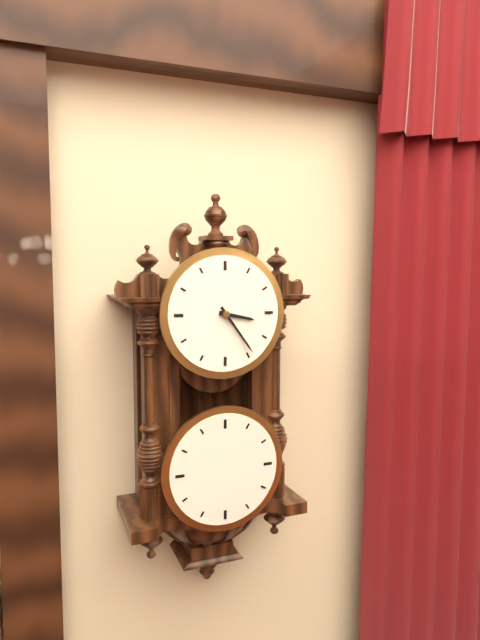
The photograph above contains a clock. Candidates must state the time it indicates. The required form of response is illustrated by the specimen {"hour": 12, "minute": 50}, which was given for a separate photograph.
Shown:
{"hour": 3, "minute": 24}
